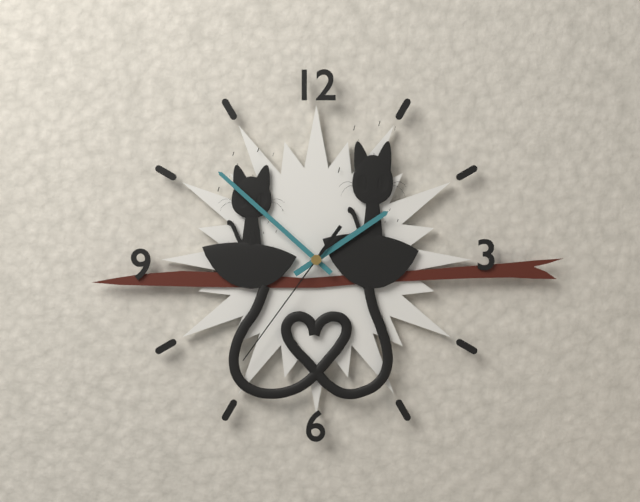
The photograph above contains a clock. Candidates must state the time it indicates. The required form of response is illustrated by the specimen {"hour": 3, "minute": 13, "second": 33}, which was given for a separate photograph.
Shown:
{"hour": 1, "minute": 52, "second": 36}
